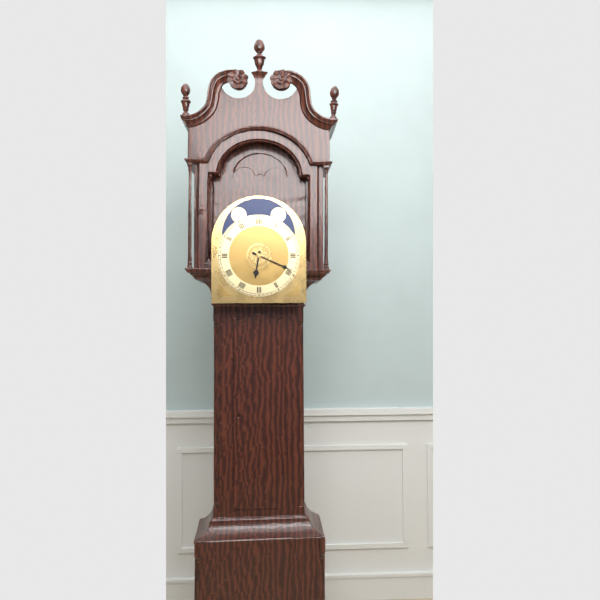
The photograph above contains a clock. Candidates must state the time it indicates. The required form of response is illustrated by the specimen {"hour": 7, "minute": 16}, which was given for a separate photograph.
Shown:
{"hour": 6, "minute": 19}
